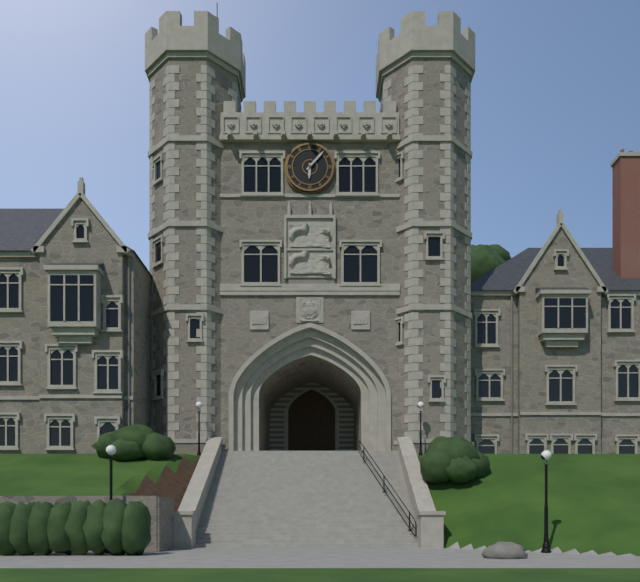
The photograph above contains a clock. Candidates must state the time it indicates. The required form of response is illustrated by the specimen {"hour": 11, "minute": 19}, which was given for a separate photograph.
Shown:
{"hour": 6, "minute": 7}
